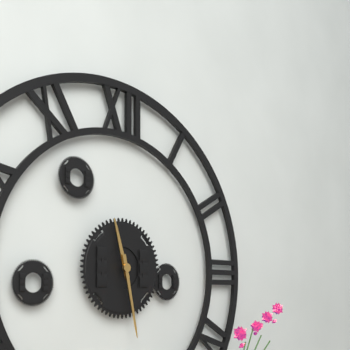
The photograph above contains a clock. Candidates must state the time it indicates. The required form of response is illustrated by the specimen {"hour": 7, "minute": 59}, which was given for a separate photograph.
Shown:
{"hour": 11, "minute": 28}
